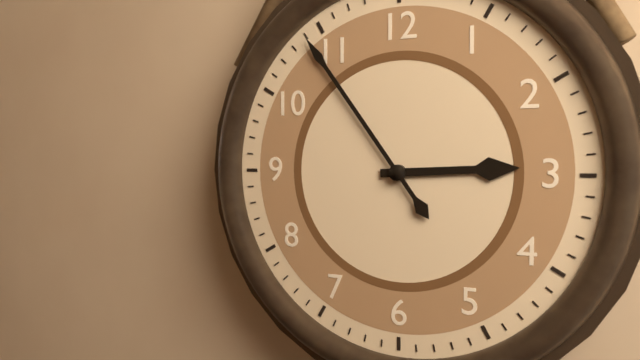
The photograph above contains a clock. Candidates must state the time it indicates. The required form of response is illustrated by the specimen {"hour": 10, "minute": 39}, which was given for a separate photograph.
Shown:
{"hour": 2, "minute": 54}
